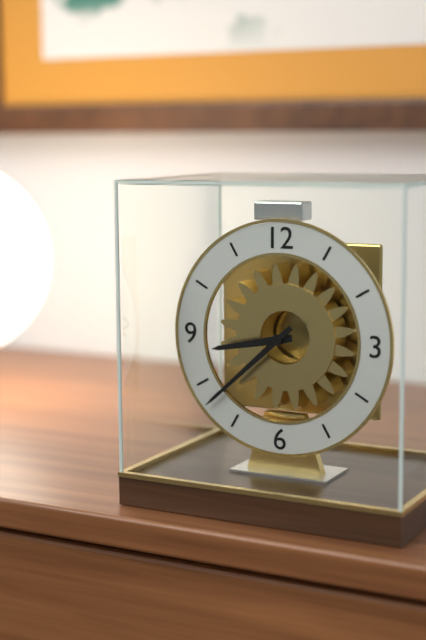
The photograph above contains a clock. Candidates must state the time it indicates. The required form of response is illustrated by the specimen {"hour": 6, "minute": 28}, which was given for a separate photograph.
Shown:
{"hour": 8, "minute": 38}
